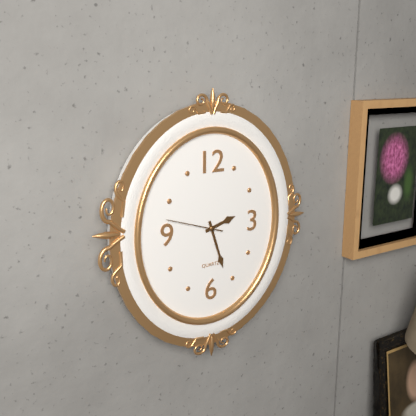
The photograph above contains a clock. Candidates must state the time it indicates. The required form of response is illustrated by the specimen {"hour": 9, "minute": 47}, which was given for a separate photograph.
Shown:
{"hour": 2, "minute": 27}
